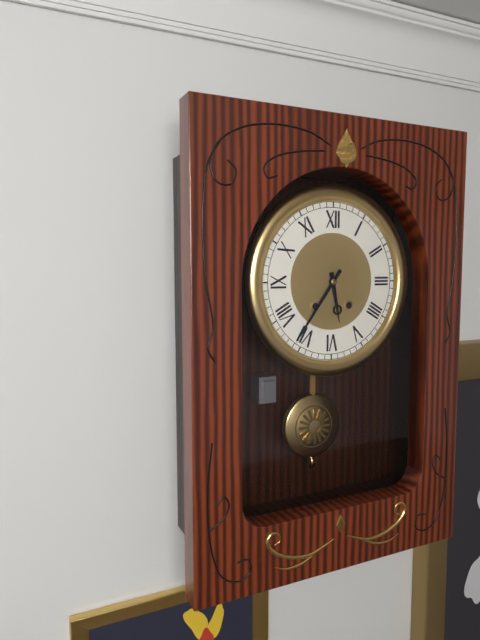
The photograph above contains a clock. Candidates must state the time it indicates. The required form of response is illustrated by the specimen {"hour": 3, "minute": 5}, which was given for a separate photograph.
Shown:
{"hour": 5, "minute": 36}
